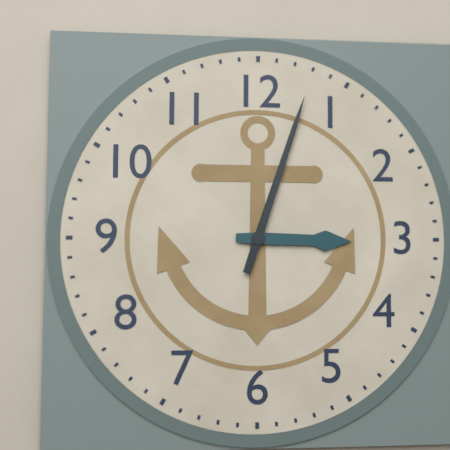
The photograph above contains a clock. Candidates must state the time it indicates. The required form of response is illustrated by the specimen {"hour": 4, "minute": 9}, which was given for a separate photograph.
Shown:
{"hour": 3, "minute": 3}
